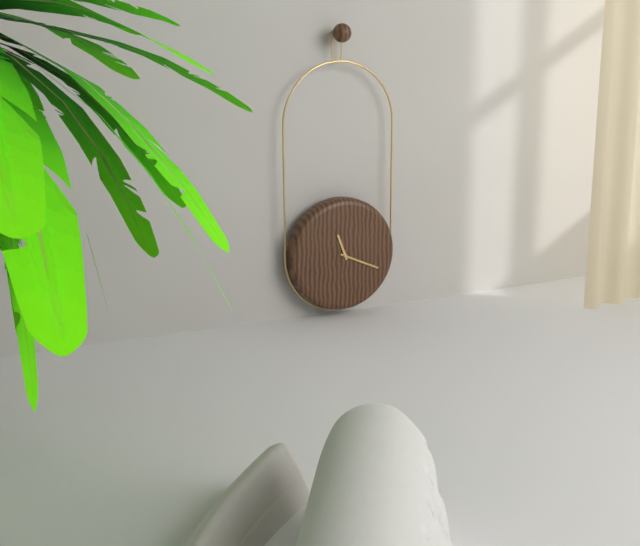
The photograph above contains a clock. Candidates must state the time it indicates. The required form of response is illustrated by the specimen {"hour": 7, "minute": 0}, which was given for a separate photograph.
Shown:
{"hour": 11, "minute": 19}
